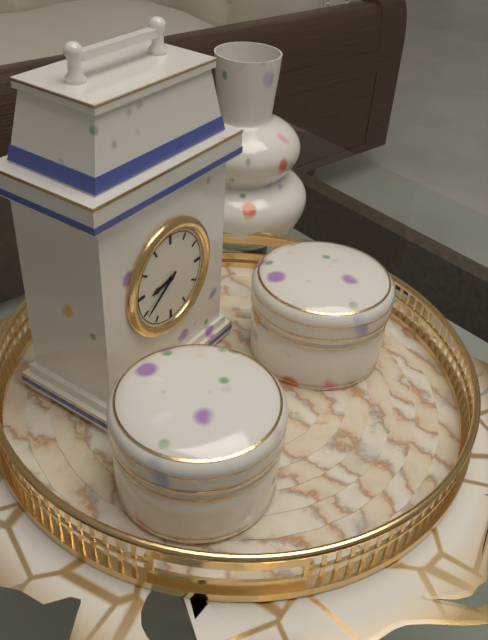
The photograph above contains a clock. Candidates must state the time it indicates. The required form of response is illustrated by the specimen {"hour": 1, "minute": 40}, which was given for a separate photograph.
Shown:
{"hour": 8, "minute": 39}
